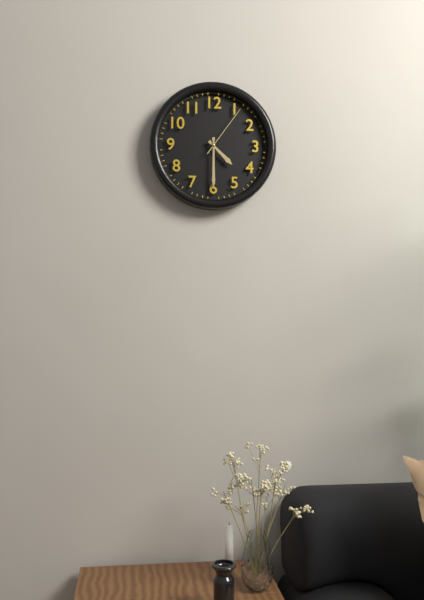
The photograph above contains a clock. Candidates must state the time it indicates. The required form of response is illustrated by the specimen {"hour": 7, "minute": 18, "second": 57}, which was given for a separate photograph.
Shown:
{"hour": 4, "minute": 30, "second": 6}
